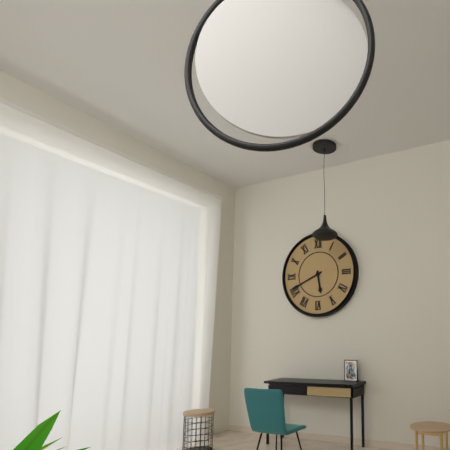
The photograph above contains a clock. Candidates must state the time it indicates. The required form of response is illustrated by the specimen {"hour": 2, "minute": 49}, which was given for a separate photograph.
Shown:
{"hour": 5, "minute": 41}
